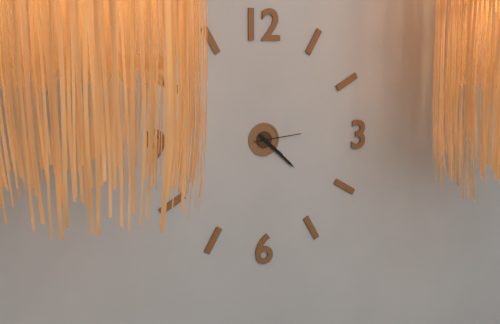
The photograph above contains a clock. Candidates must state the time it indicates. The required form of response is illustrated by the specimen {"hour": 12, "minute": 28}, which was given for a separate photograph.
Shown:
{"hour": 4, "minute": 22}
